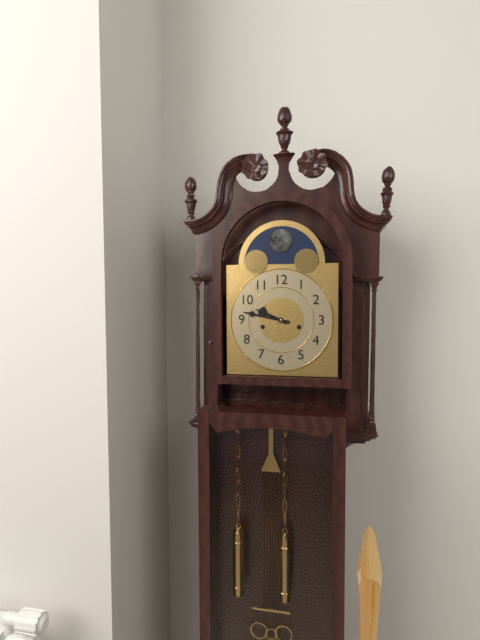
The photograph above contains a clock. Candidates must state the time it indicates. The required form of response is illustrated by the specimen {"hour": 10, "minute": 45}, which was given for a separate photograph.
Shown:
{"hour": 9, "minute": 47}
